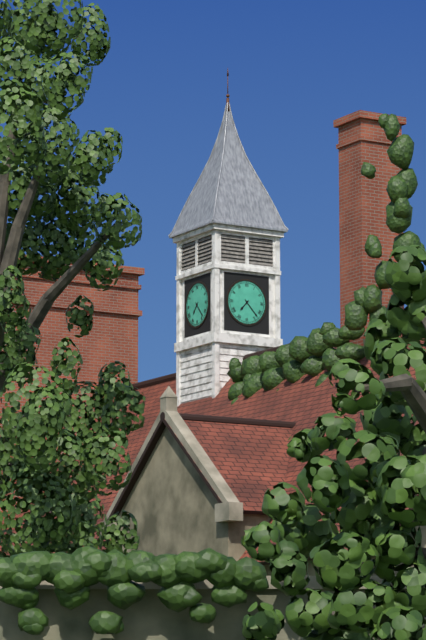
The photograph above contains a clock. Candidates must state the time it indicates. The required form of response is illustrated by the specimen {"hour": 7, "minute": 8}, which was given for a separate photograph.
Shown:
{"hour": 7, "minute": 23}
